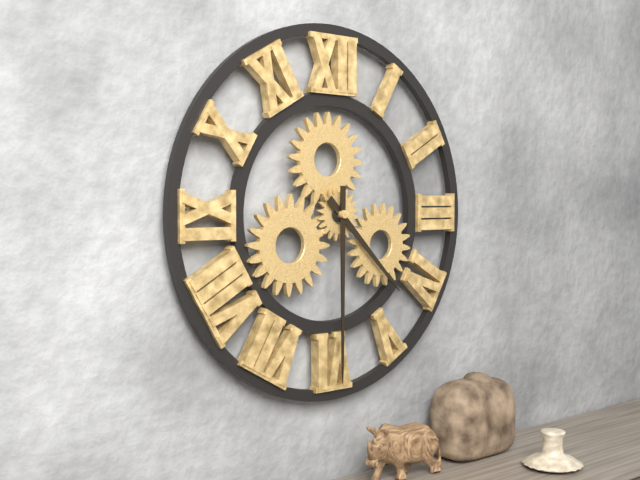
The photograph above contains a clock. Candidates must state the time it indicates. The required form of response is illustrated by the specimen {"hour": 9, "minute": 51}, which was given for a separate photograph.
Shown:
{"hour": 4, "minute": 30}
